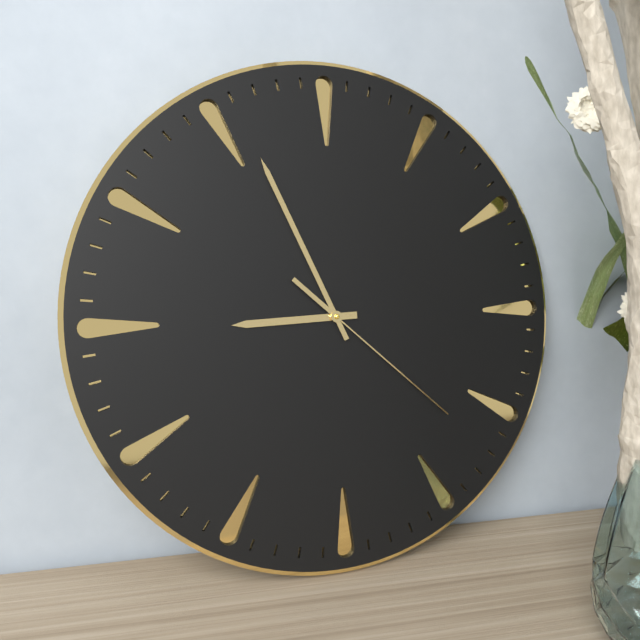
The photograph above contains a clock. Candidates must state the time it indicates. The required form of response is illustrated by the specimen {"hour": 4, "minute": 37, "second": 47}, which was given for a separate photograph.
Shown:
{"hour": 8, "minute": 56, "second": 22}
